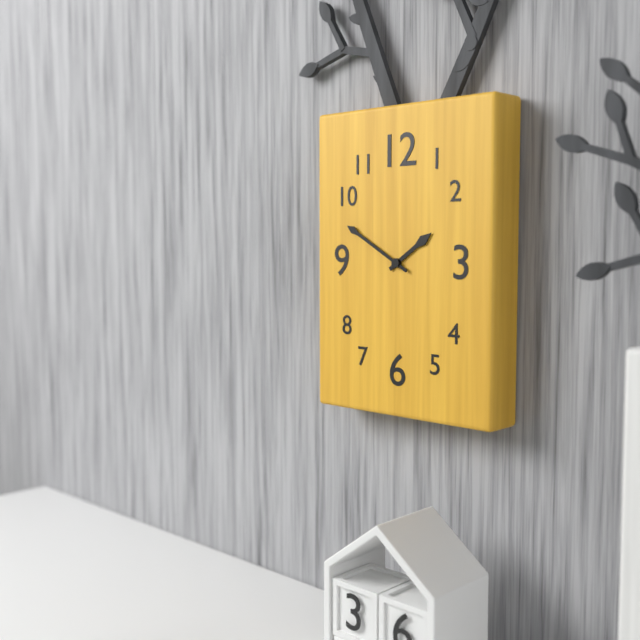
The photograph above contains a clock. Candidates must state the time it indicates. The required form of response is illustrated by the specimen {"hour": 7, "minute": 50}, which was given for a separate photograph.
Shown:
{"hour": 1, "minute": 50}
